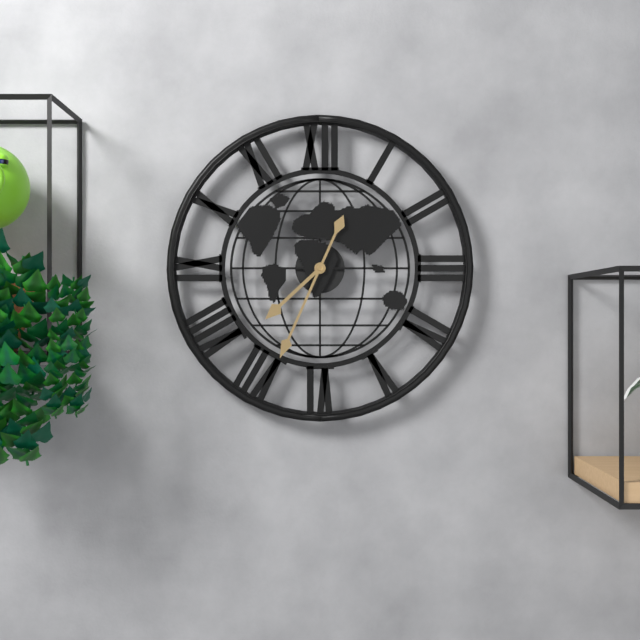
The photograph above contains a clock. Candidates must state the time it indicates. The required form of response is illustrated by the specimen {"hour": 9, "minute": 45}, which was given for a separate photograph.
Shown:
{"hour": 7, "minute": 34}
